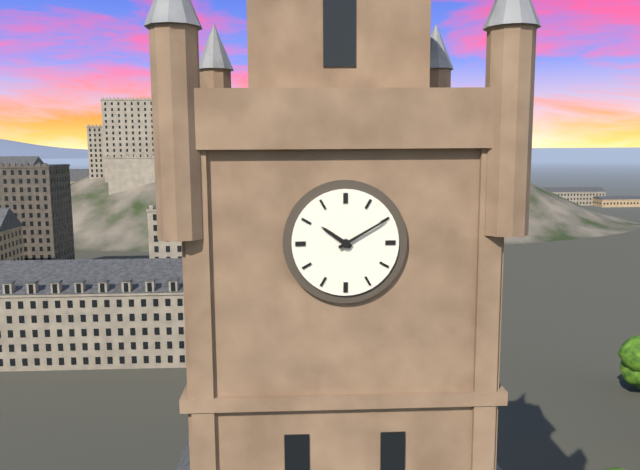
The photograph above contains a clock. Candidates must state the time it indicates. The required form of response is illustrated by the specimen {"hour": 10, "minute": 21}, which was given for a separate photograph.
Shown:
{"hour": 10, "minute": 10}
